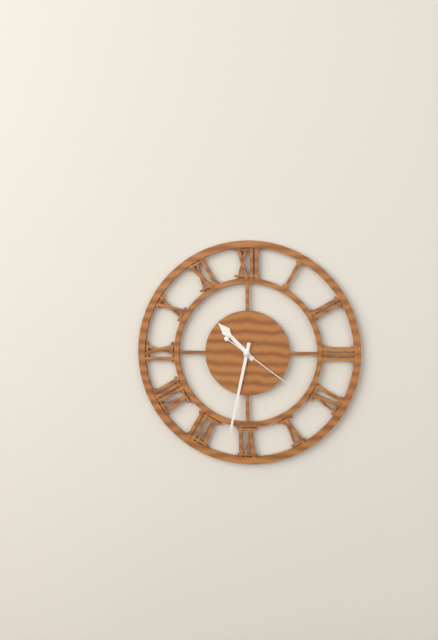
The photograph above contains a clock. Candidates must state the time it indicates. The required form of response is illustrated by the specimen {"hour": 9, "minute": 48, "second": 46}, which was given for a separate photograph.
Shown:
{"hour": 10, "minute": 32, "second": 21}
